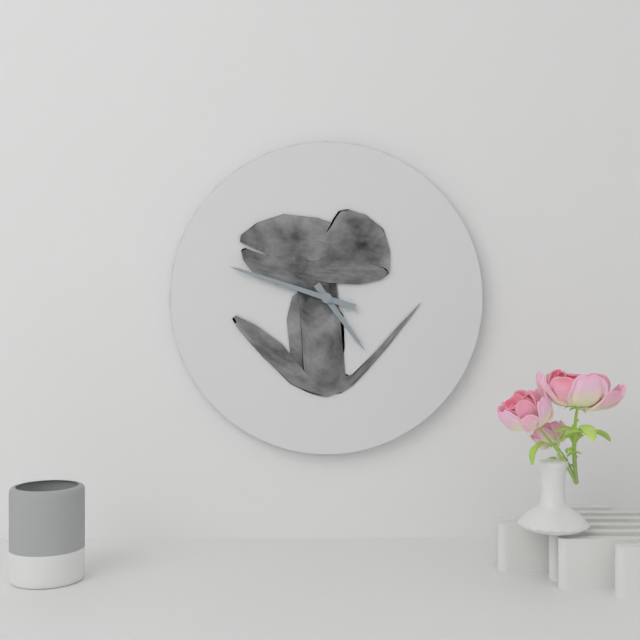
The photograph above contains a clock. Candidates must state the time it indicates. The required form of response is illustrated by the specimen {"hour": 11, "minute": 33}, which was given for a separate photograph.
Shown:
{"hour": 4, "minute": 48}
